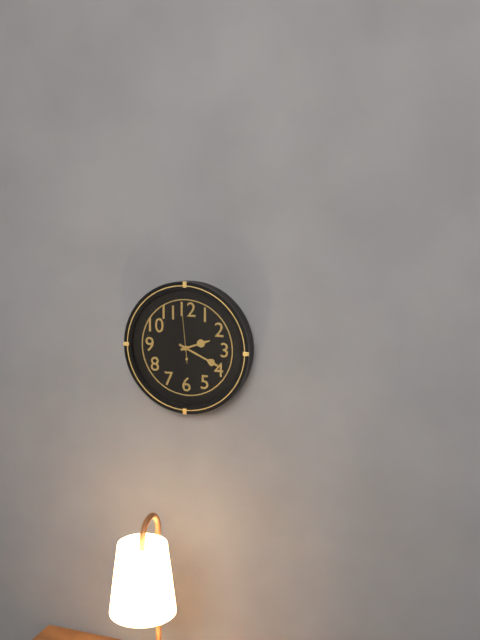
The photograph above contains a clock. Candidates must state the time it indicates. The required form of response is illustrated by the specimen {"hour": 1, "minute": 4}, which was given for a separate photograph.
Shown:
{"hour": 2, "minute": 19}
